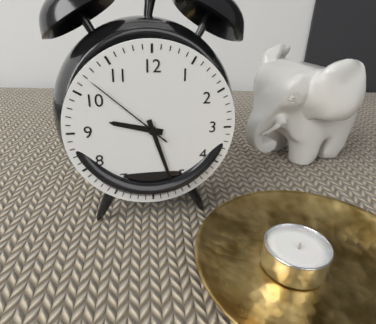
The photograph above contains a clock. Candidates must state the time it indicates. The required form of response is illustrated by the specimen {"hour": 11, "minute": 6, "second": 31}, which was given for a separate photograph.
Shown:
{"hour": 9, "minute": 27, "second": 52}
